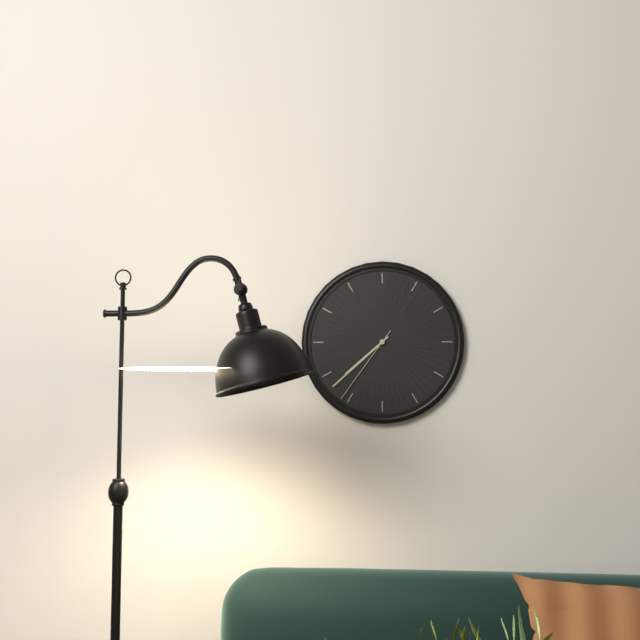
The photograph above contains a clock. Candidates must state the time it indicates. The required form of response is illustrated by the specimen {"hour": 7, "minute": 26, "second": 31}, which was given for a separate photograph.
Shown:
{"hour": 7, "minute": 38, "second": 36}
